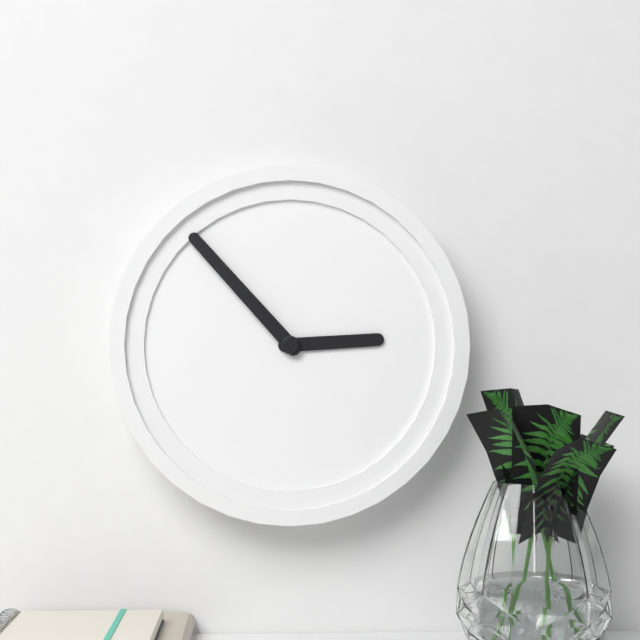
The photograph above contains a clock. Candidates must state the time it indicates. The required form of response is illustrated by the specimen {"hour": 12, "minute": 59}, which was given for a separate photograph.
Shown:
{"hour": 2, "minute": 53}
